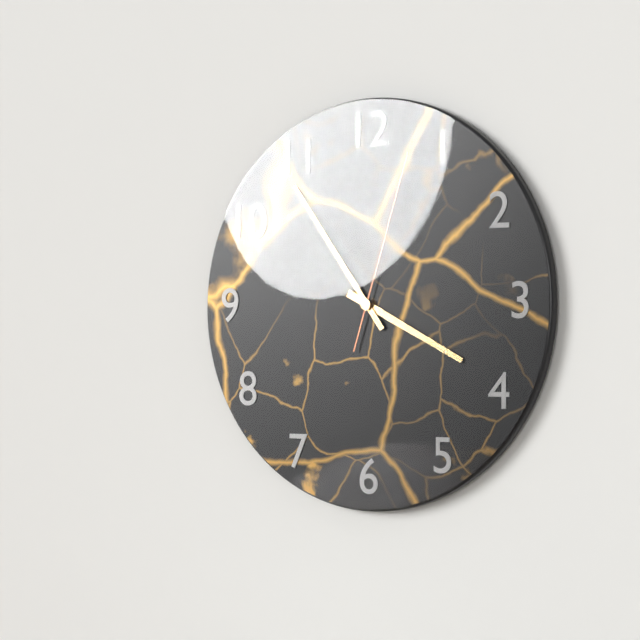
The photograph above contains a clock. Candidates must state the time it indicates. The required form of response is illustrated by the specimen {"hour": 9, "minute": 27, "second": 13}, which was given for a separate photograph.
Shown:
{"hour": 3, "minute": 54, "second": 3}
